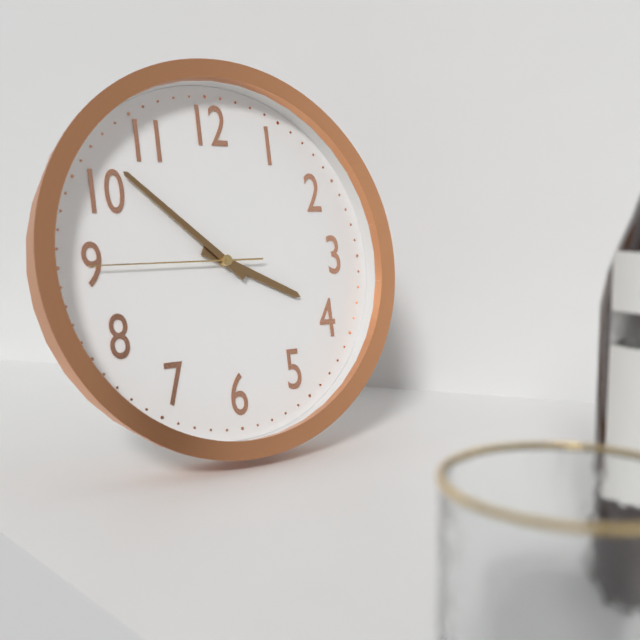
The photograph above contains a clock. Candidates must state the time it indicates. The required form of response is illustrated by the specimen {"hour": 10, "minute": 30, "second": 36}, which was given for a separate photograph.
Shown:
{"hour": 3, "minute": 52, "second": 45}
